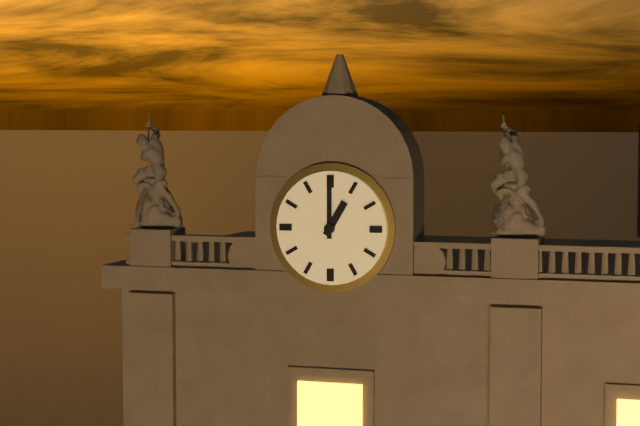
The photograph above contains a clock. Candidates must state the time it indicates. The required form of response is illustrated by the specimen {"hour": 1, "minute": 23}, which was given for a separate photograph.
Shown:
{"hour": 1, "minute": 0}
